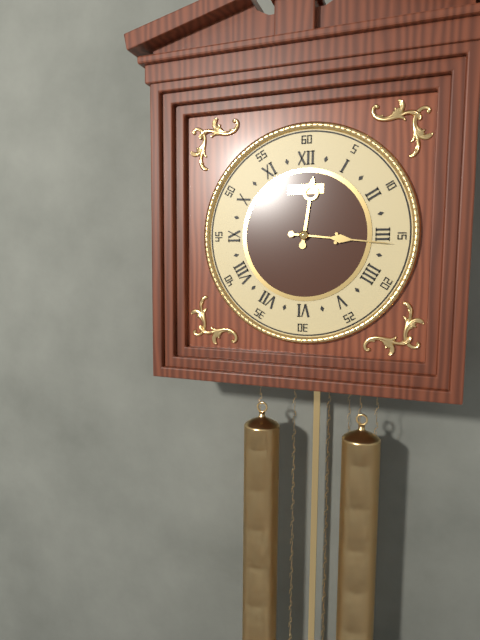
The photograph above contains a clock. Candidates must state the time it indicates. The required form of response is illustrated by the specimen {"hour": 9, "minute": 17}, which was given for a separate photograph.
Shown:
{"hour": 12, "minute": 16}
